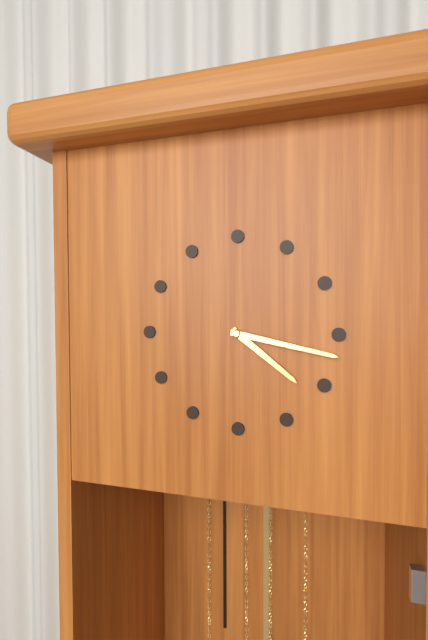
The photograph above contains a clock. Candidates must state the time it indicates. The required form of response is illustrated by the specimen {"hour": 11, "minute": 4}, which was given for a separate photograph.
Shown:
{"hour": 4, "minute": 17}
